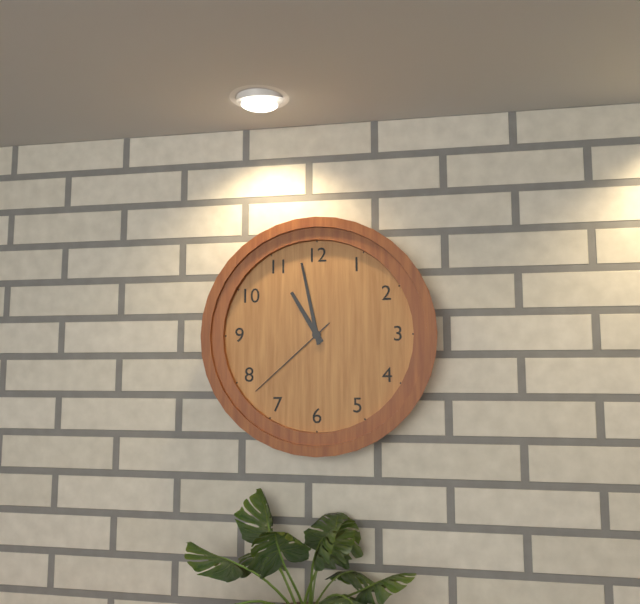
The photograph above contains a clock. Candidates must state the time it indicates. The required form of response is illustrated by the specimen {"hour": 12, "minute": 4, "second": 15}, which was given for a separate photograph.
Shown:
{"hour": 10, "minute": 58, "second": 38}
